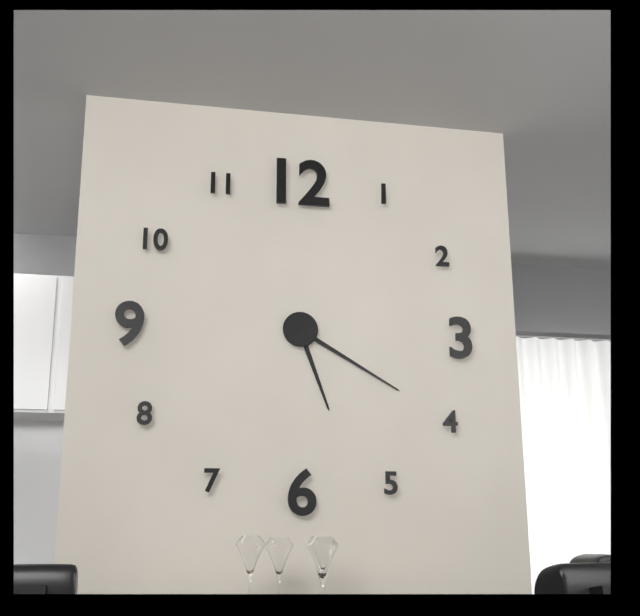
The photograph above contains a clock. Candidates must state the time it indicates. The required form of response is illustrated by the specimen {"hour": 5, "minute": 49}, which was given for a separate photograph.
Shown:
{"hour": 5, "minute": 20}
